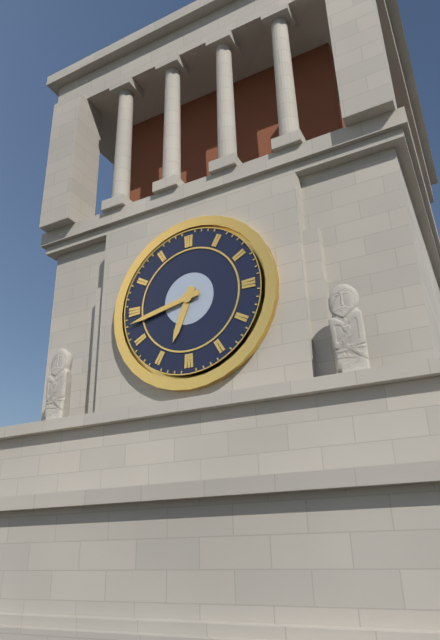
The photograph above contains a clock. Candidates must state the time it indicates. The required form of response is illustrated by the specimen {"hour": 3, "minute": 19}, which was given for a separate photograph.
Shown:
{"hour": 6, "minute": 43}
